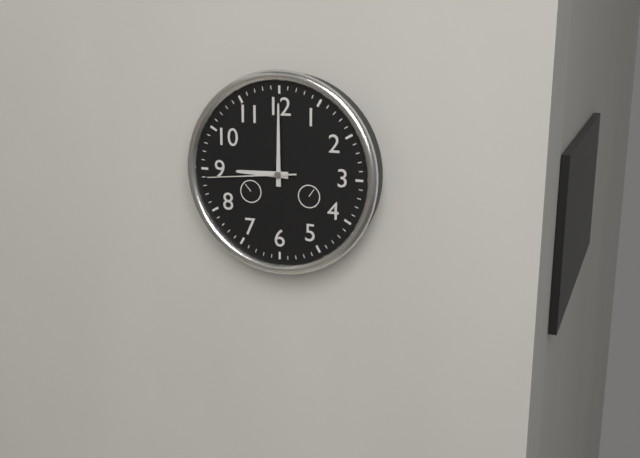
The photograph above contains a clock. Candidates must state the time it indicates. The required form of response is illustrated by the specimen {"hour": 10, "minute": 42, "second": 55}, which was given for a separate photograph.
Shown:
{"hour": 9, "minute": 0, "second": 44}
